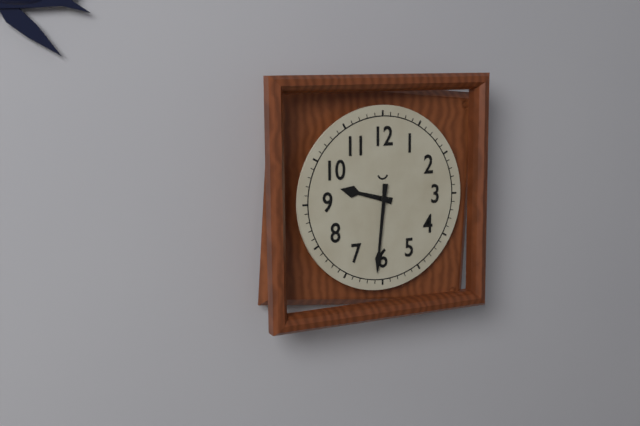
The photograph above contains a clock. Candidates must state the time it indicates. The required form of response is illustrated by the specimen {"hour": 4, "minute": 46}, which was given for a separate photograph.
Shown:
{"hour": 9, "minute": 31}
